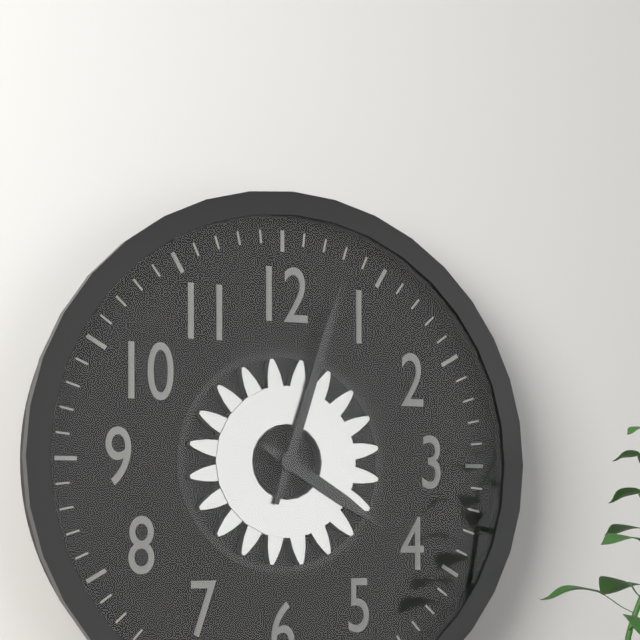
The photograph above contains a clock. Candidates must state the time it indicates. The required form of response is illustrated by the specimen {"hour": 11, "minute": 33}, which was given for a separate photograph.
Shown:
{"hour": 4, "minute": 3}
